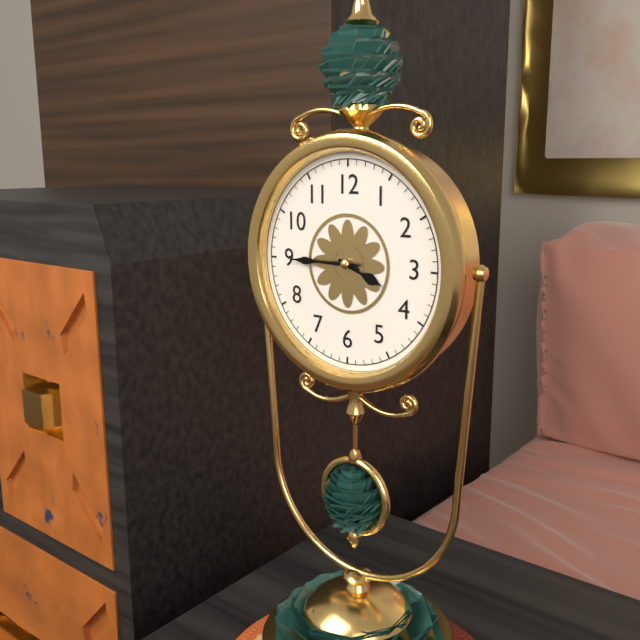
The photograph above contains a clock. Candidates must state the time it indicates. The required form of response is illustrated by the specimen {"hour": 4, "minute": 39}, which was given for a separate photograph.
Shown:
{"hour": 3, "minute": 45}
